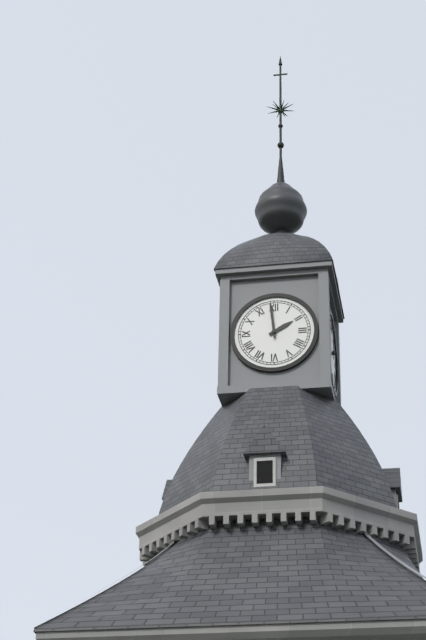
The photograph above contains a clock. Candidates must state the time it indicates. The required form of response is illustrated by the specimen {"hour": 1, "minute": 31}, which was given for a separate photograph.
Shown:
{"hour": 1, "minute": 59}
